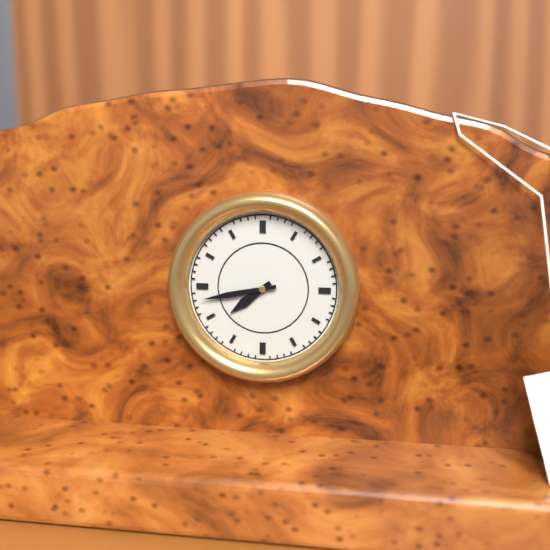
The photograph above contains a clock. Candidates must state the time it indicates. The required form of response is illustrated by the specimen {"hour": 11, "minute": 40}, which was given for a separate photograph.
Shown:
{"hour": 7, "minute": 43}
